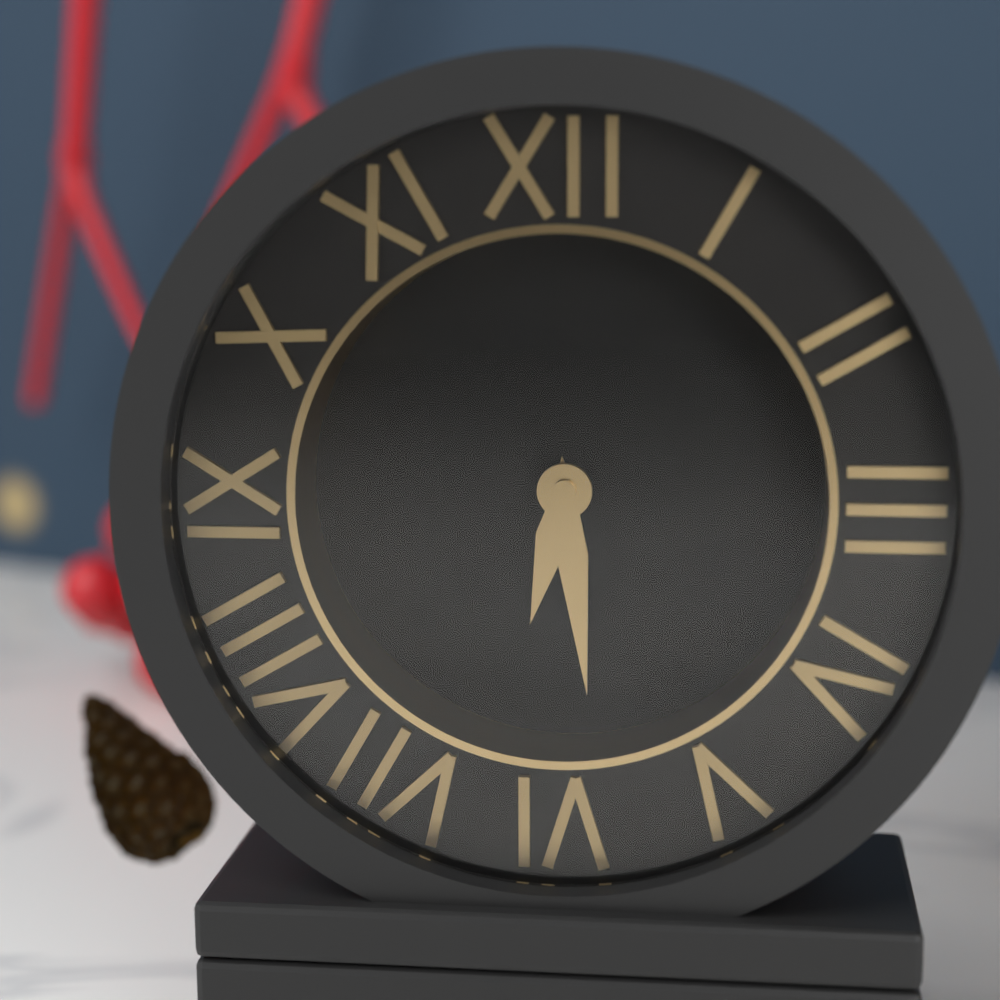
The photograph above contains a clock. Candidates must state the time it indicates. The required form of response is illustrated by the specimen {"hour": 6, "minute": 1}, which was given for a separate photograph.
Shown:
{"hour": 6, "minute": 29}
